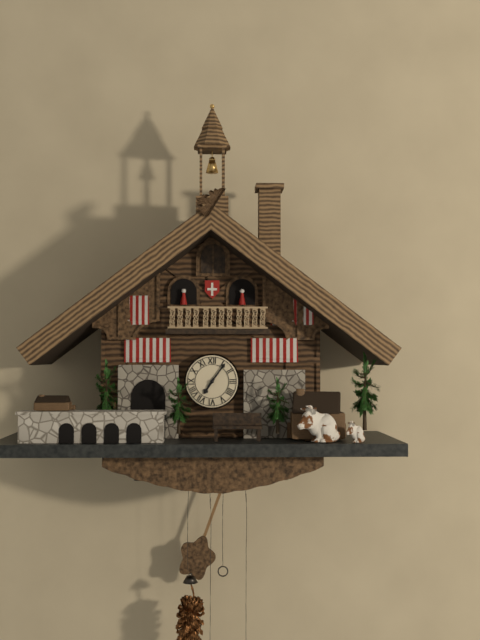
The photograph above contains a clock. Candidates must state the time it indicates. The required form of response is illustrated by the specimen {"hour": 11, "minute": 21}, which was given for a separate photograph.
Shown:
{"hour": 7, "minute": 6}
